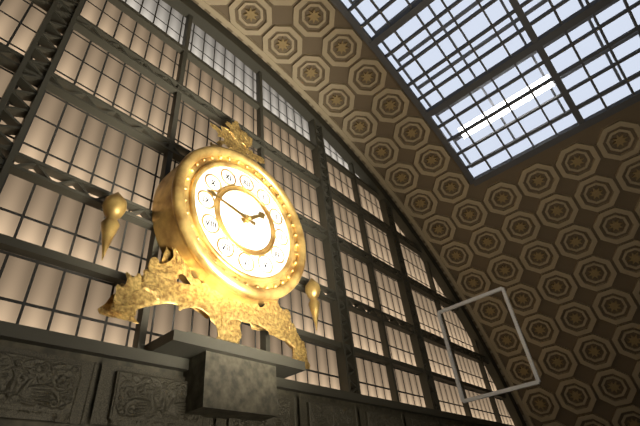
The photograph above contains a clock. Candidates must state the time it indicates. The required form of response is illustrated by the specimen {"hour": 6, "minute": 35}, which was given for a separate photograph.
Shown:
{"hour": 1, "minute": 47}
